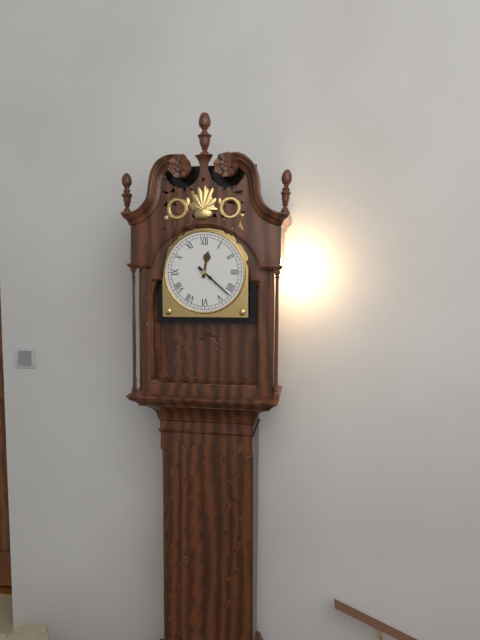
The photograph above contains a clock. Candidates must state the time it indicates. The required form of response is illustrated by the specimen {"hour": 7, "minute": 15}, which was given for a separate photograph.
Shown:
{"hour": 12, "minute": 22}
